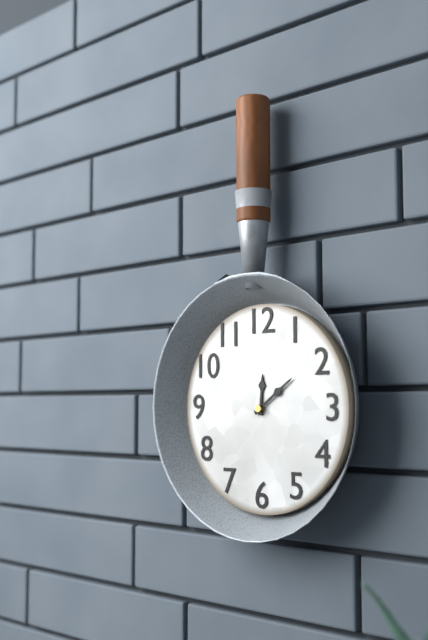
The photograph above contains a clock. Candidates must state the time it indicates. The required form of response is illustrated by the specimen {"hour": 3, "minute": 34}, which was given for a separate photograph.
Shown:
{"hour": 12, "minute": 9}
